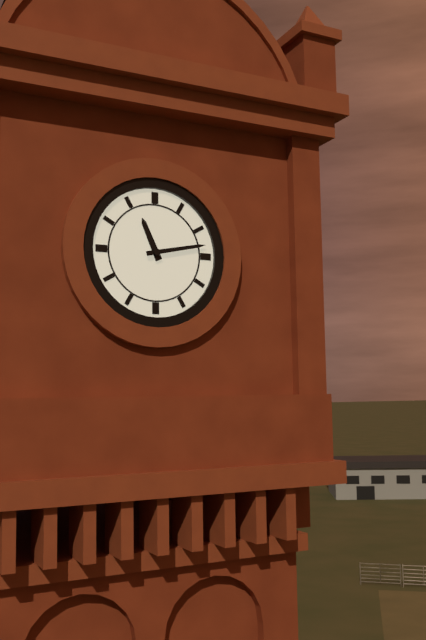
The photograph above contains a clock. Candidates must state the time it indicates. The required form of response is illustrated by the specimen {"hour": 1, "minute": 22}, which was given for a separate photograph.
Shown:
{"hour": 11, "minute": 13}
